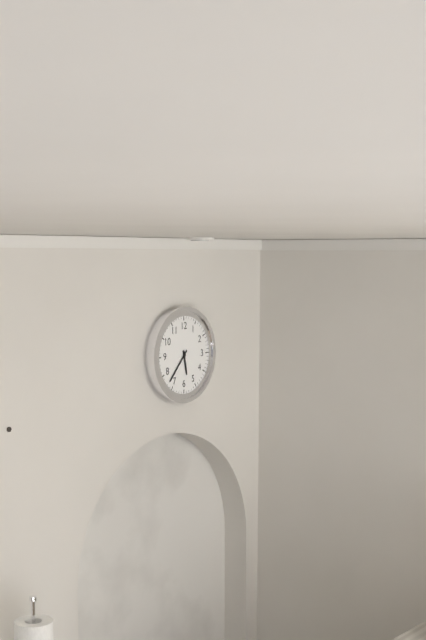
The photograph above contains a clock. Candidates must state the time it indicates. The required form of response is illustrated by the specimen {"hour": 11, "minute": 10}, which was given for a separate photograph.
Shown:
{"hour": 5, "minute": 37}
